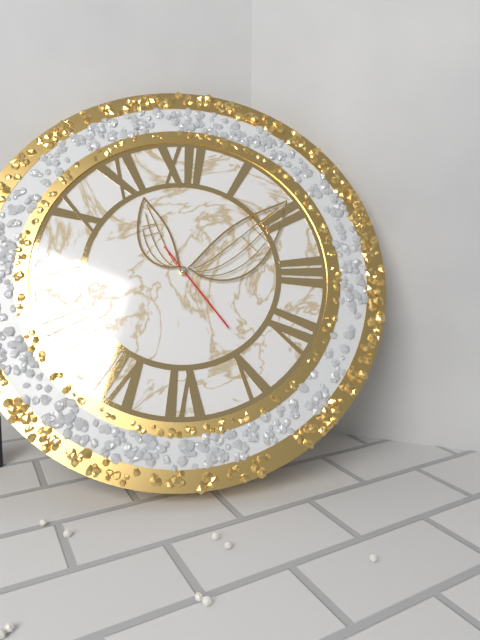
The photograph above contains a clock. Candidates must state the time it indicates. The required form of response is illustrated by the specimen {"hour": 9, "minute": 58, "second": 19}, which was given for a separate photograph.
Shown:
{"hour": 11, "minute": 9, "second": 24}
